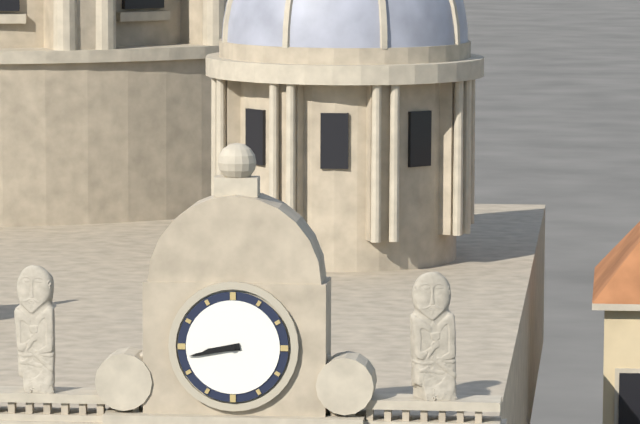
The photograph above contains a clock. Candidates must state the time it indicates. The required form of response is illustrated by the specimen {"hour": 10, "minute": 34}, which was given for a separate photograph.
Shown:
{"hour": 8, "minute": 43}
